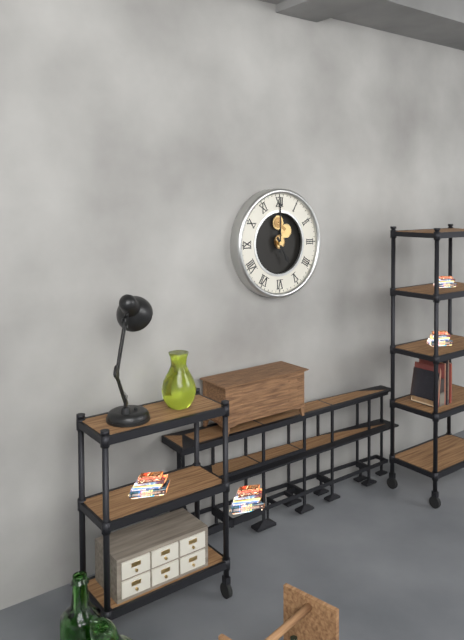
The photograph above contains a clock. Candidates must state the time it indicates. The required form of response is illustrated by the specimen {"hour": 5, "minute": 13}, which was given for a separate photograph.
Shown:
{"hour": 5, "minute": 0}
